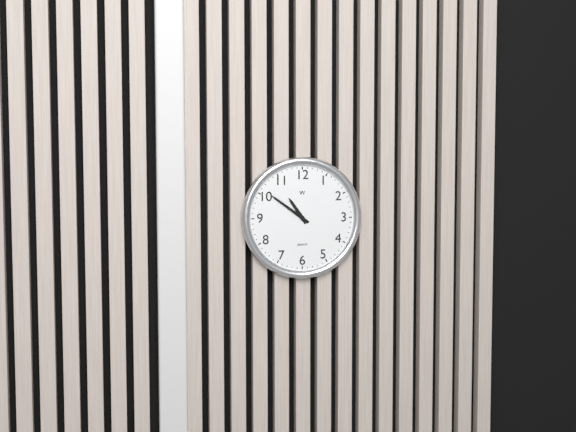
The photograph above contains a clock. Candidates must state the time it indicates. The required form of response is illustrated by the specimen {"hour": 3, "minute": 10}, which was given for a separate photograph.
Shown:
{"hour": 10, "minute": 51}
